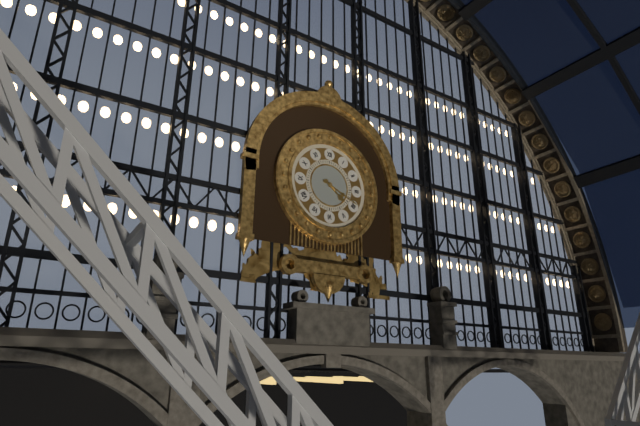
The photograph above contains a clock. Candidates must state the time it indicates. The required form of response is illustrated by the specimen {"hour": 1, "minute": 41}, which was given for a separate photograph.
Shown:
{"hour": 4, "minute": 19}
